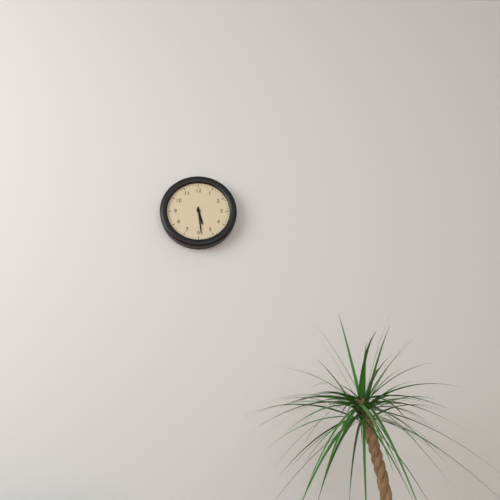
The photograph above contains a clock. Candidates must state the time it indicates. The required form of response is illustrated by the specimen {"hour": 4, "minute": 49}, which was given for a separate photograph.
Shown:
{"hour": 5, "minute": 29}
